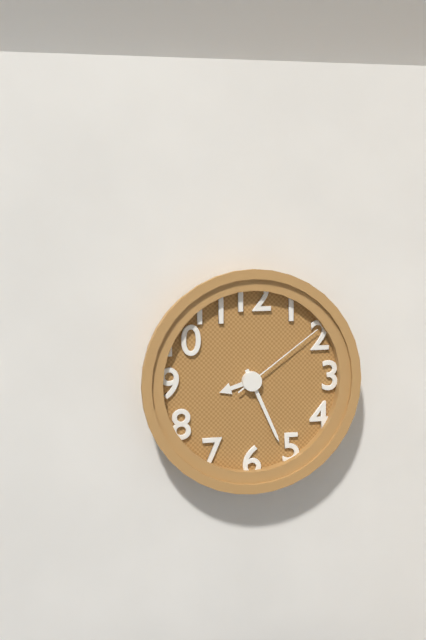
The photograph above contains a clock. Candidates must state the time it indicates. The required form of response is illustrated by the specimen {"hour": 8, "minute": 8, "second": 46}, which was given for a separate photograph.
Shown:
{"hour": 8, "minute": 26, "second": 9}
